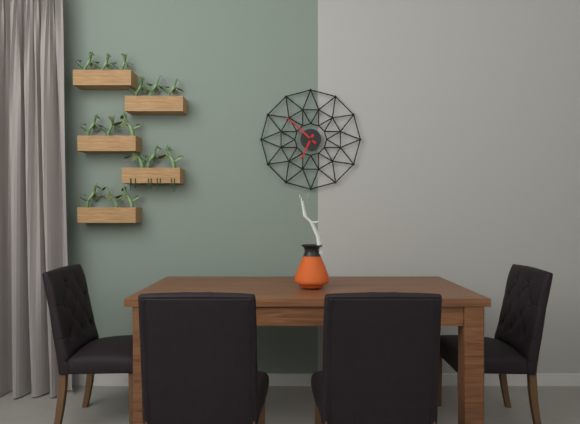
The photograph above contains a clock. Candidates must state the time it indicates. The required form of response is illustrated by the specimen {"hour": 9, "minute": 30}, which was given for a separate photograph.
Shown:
{"hour": 6, "minute": 52}
